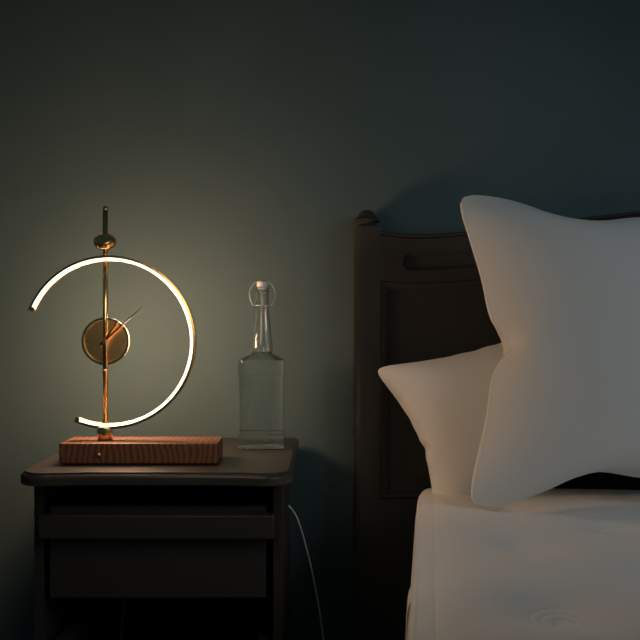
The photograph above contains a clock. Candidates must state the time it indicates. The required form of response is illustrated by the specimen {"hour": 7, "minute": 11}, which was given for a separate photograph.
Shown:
{"hour": 1, "minute": 8}
